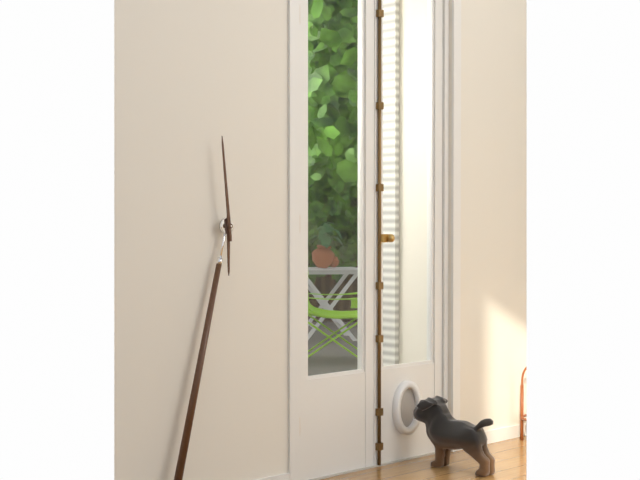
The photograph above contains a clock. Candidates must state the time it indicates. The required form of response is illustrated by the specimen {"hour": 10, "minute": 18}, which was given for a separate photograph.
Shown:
{"hour": 5, "minute": 59}
